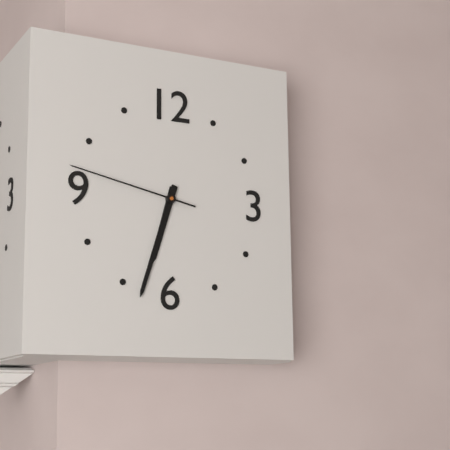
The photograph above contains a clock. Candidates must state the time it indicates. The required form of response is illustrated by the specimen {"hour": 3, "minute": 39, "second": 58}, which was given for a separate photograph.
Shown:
{"hour": 6, "minute": 33, "second": 47}
